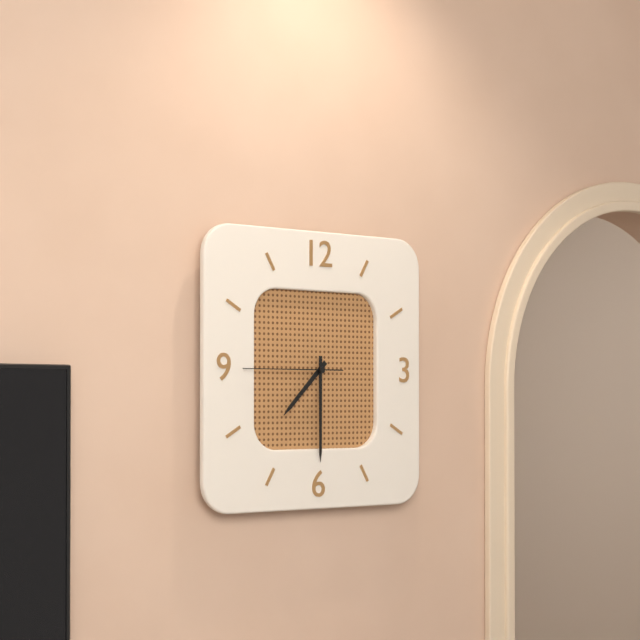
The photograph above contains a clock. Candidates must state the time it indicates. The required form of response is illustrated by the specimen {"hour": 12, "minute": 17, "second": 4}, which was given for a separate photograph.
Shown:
{"hour": 7, "minute": 30, "second": 45}
